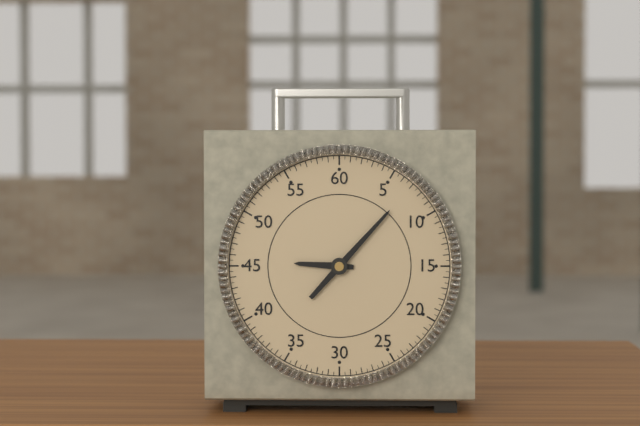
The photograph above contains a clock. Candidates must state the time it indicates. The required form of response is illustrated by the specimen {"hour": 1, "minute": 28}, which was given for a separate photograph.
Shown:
{"hour": 9, "minute": 7}
